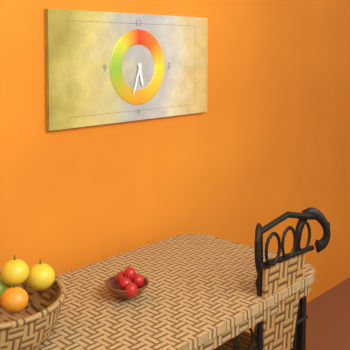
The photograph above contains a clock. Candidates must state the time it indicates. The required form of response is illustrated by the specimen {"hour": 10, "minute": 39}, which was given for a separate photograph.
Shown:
{"hour": 5, "minute": 33}
